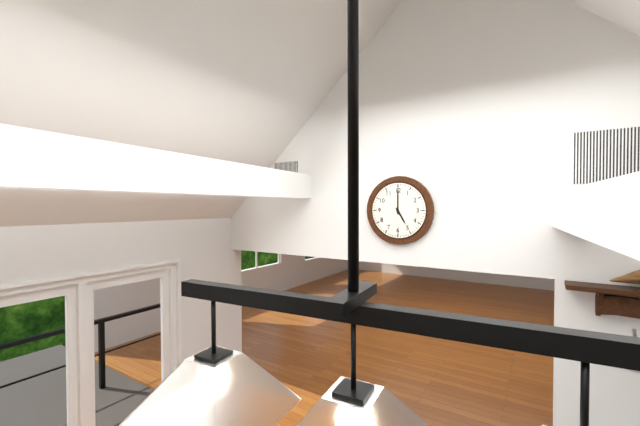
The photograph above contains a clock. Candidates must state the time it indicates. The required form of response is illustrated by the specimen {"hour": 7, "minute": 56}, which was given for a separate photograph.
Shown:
{"hour": 5, "minute": 0}
